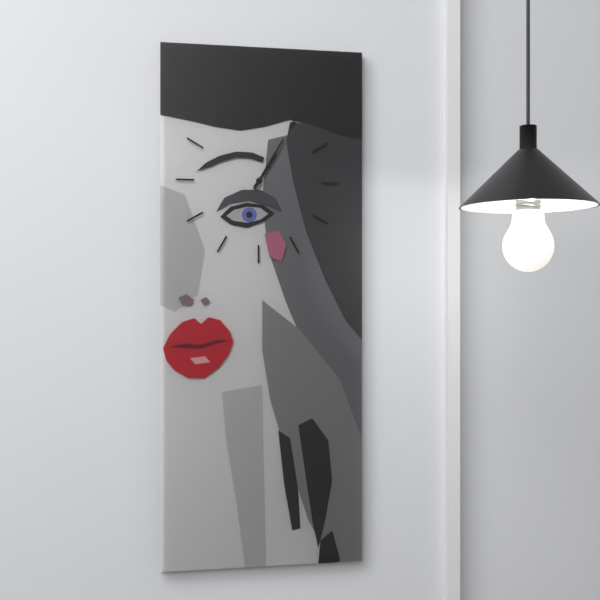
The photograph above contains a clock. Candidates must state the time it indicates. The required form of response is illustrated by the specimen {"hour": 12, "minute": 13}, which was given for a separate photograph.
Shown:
{"hour": 1, "minute": 5}
